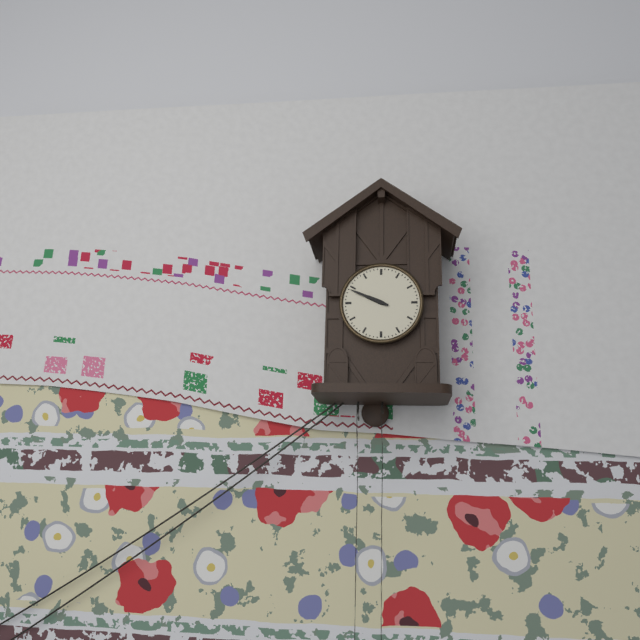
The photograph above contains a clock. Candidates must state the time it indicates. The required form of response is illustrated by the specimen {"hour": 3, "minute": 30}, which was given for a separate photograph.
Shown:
{"hour": 9, "minute": 49}
